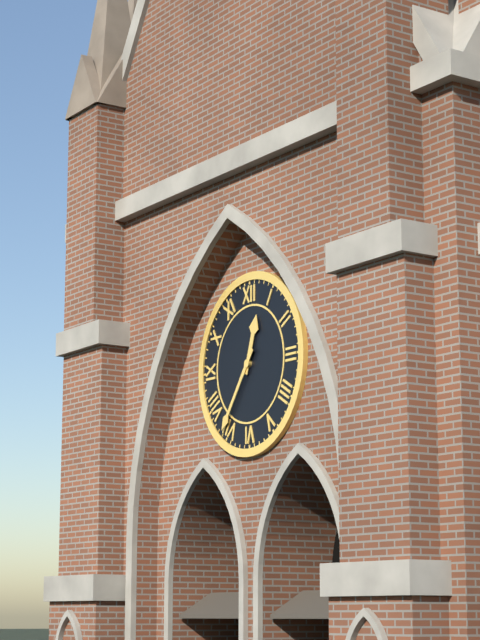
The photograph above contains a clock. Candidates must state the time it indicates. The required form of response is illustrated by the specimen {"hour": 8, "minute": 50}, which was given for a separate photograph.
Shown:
{"hour": 12, "minute": 36}
